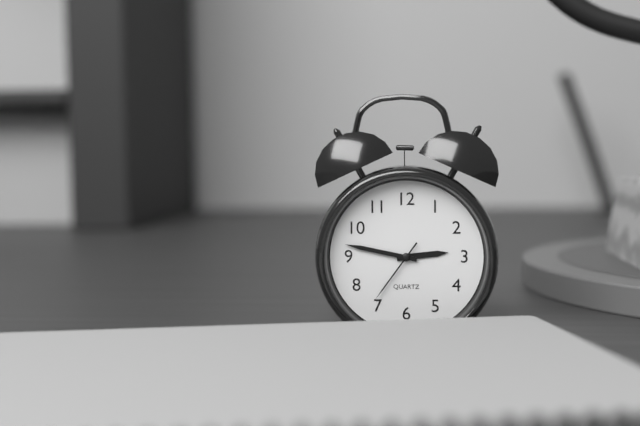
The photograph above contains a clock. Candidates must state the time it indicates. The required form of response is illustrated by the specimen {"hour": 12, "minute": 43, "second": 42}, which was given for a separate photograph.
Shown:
{"hour": 2, "minute": 47, "second": 36}
